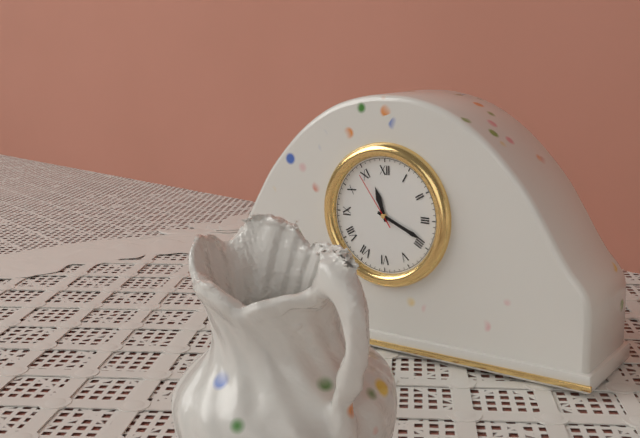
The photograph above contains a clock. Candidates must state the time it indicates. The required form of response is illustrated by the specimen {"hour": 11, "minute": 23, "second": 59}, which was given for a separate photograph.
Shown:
{"hour": 11, "minute": 19, "second": 54}
